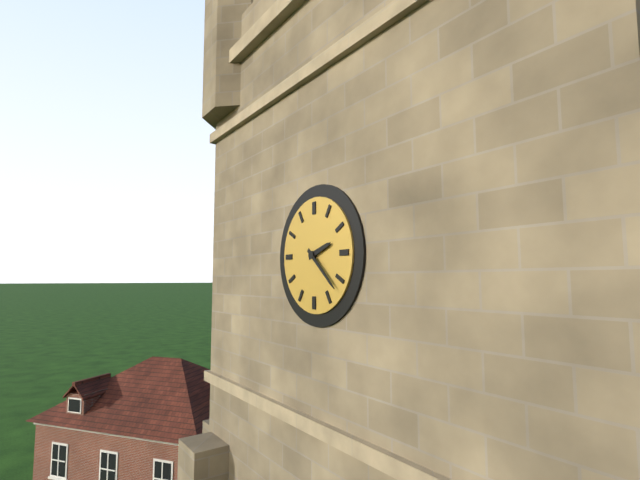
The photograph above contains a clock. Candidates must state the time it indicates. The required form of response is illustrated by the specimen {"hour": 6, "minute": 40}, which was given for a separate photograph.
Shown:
{"hour": 2, "minute": 22}
